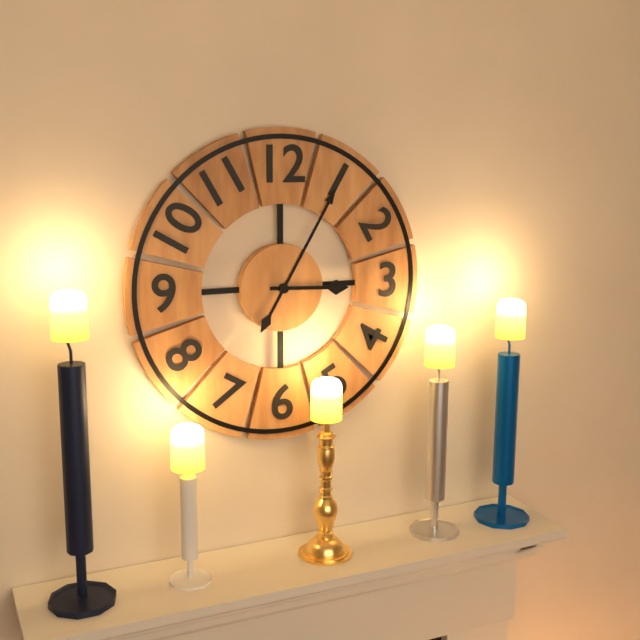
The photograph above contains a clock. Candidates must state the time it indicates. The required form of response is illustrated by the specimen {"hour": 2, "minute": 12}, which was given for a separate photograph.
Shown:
{"hour": 3, "minute": 5}
